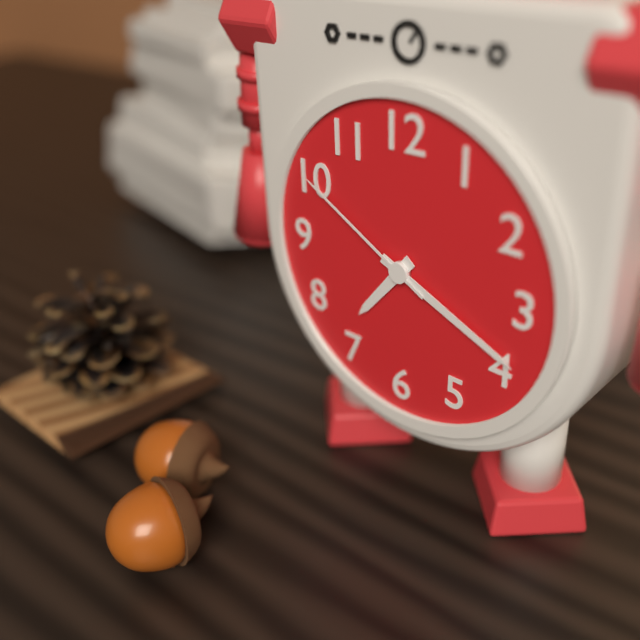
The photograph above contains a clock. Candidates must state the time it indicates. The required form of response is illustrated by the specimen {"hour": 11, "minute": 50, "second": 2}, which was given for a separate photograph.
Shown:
{"hour": 7, "minute": 19, "second": 50}
